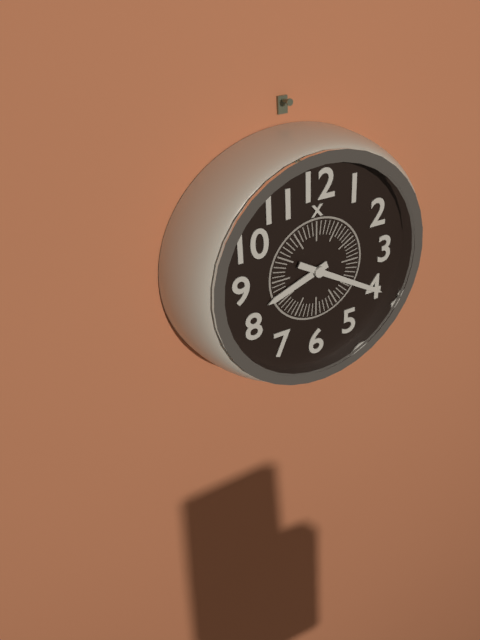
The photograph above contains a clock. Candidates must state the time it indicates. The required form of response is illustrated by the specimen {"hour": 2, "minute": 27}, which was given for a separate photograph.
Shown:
{"hour": 8, "minute": 20}
